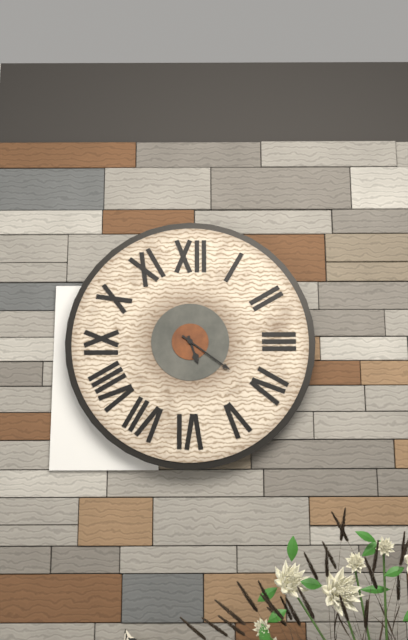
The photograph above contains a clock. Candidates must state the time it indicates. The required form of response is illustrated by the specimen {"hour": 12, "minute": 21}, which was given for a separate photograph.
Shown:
{"hour": 5, "minute": 21}
